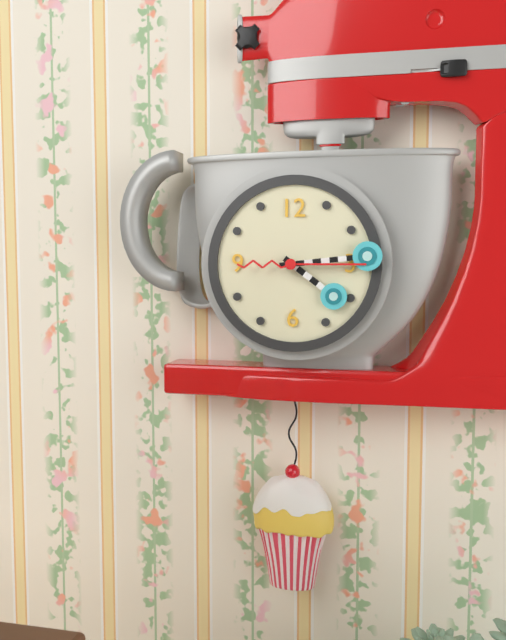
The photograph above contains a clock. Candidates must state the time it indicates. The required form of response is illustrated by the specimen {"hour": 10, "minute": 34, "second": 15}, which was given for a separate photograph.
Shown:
{"hour": 4, "minute": 14, "second": 15}
